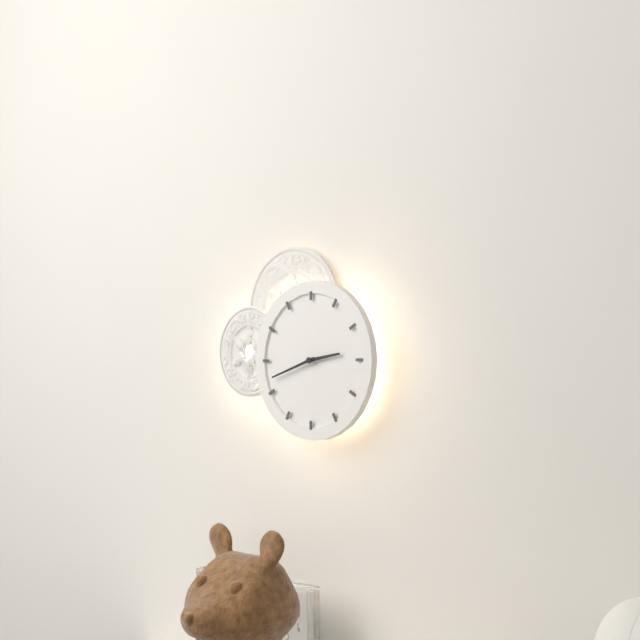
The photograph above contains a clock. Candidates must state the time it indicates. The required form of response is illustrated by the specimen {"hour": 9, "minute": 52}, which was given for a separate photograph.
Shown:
{"hour": 2, "minute": 42}
